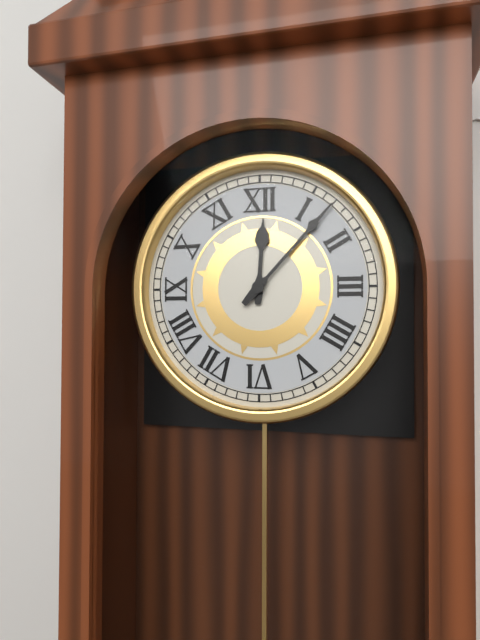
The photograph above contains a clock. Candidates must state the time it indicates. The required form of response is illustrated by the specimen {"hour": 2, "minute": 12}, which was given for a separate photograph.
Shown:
{"hour": 12, "minute": 7}
